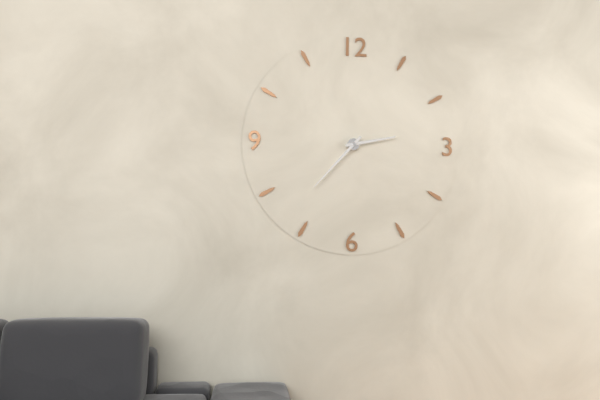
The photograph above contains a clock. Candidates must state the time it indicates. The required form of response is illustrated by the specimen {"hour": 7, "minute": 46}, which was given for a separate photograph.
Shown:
{"hour": 2, "minute": 37}
